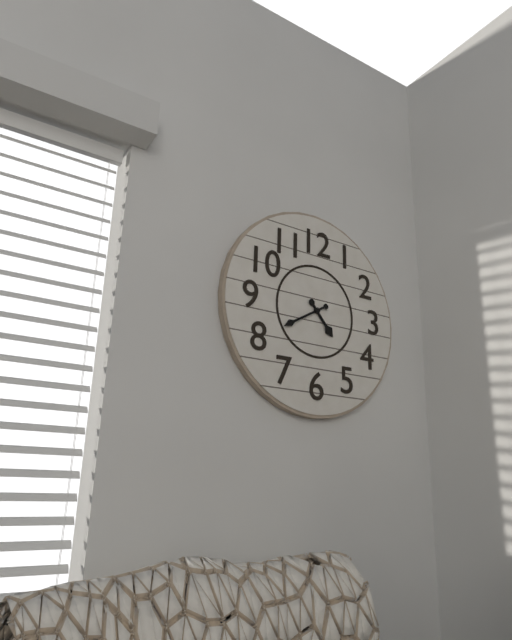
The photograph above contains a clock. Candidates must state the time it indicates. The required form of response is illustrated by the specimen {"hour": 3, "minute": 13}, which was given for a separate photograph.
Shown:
{"hour": 4, "minute": 40}
